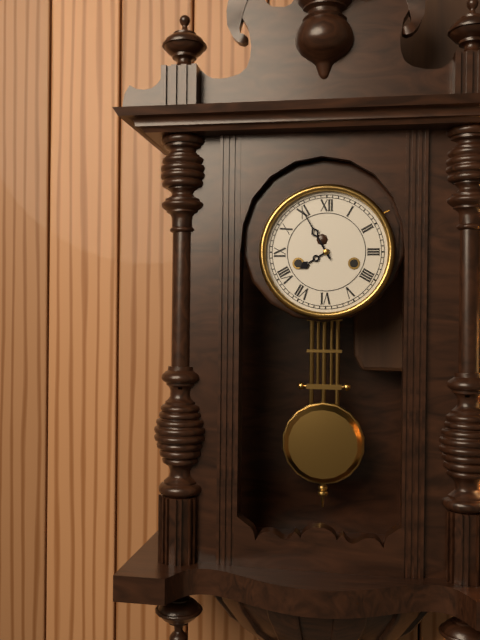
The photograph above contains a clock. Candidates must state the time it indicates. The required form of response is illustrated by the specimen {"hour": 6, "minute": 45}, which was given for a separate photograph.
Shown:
{"hour": 7, "minute": 55}
